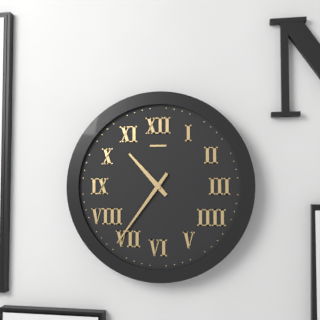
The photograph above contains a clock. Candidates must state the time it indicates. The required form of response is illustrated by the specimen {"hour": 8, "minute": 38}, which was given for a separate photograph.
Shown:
{"hour": 10, "minute": 36}
